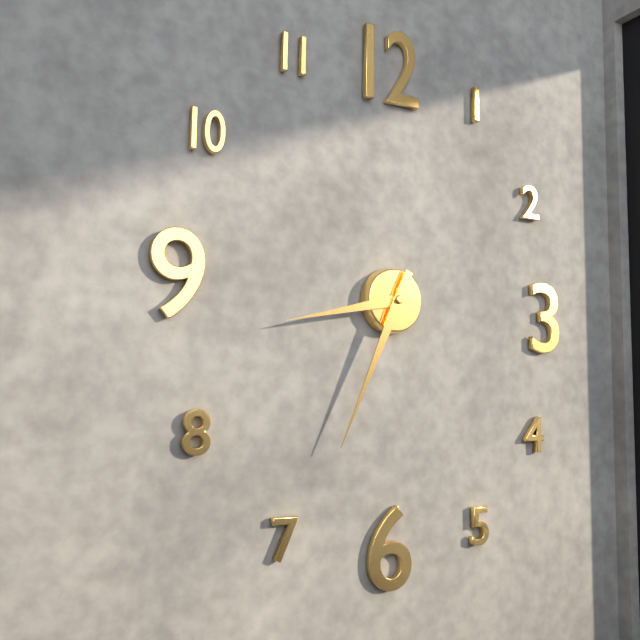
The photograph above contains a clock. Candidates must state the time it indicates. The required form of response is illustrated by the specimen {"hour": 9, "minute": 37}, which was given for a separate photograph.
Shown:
{"hour": 8, "minute": 34}
